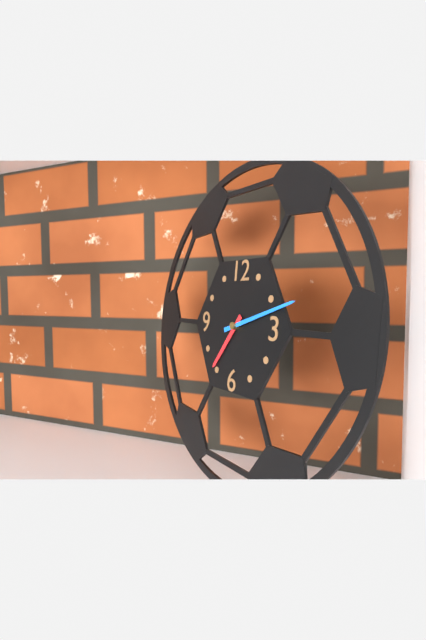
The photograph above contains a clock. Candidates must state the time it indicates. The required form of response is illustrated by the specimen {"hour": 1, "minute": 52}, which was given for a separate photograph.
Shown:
{"hour": 7, "minute": 12}
